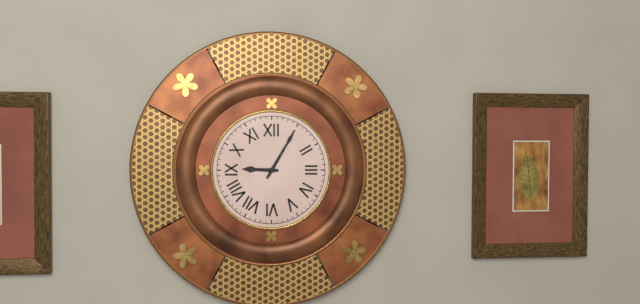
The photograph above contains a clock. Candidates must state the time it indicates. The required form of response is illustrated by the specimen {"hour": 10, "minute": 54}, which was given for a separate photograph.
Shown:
{"hour": 9, "minute": 5}
